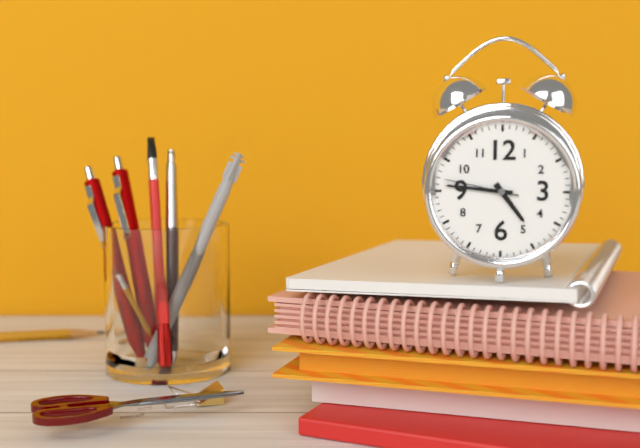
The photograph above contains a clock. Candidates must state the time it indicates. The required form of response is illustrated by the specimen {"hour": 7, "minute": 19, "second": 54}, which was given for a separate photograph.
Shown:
{"hour": 4, "minute": 46, "second": 47}
